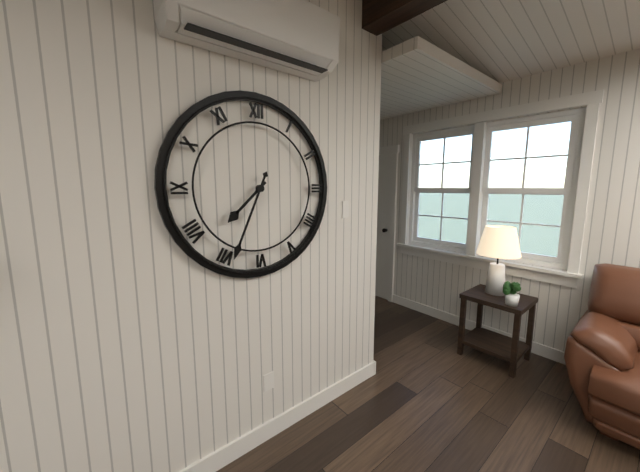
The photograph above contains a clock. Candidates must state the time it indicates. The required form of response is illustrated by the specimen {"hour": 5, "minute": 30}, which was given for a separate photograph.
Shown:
{"hour": 7, "minute": 34}
